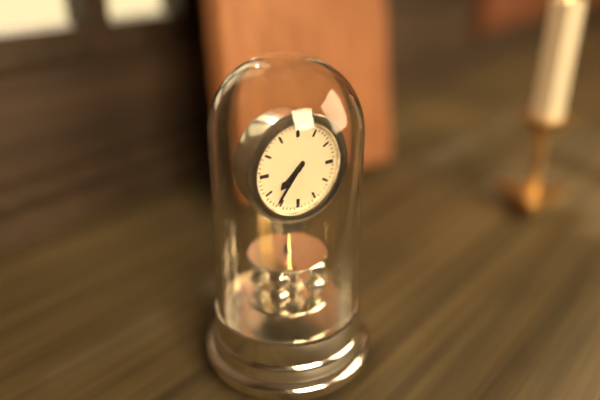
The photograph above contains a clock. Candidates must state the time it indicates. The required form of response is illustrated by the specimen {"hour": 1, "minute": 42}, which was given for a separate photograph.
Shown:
{"hour": 7, "minute": 36}
